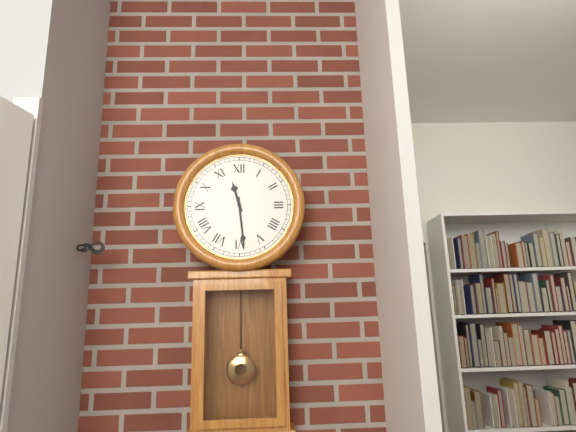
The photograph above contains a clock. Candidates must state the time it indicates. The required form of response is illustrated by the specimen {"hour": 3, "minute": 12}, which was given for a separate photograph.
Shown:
{"hour": 11, "minute": 29}
